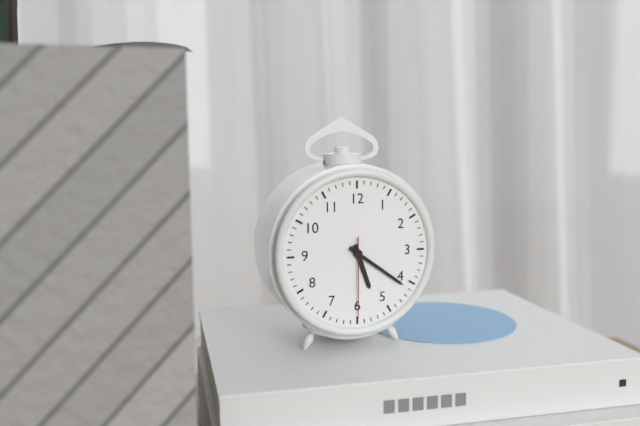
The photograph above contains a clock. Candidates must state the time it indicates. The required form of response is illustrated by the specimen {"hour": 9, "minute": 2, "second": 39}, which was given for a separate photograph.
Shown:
{"hour": 5, "minute": 21, "second": 30}
